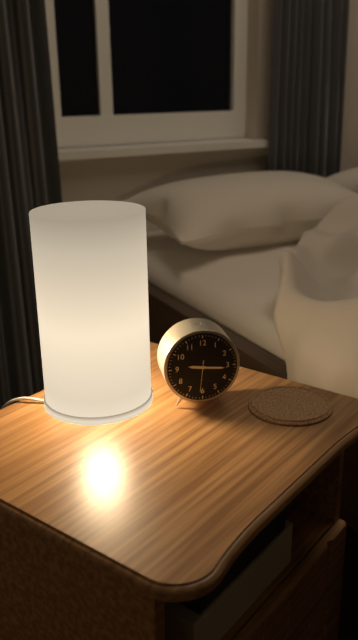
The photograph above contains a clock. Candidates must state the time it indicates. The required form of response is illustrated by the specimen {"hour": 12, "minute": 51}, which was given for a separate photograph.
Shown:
{"hour": 9, "minute": 16}
